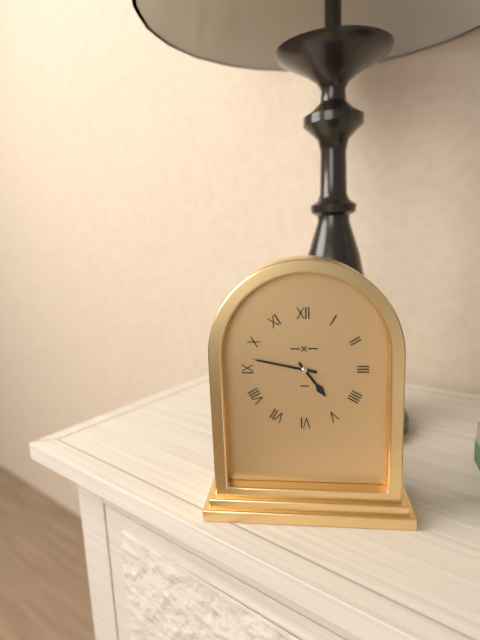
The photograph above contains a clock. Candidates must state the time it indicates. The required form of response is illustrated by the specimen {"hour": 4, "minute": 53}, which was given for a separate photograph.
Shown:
{"hour": 4, "minute": 47}
